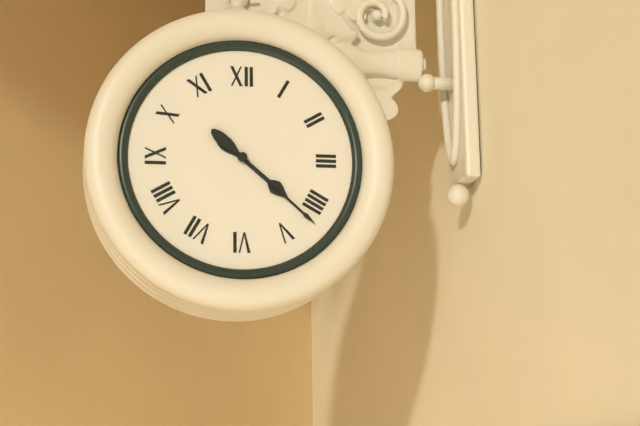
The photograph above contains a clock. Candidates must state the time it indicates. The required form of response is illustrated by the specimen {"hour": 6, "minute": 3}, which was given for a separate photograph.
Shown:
{"hour": 4, "minute": 22}
